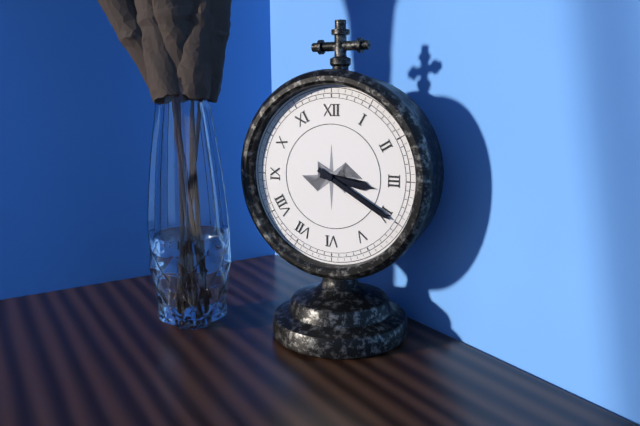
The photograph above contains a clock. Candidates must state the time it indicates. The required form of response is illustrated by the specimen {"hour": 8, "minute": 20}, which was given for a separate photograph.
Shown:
{"hour": 3, "minute": 20}
